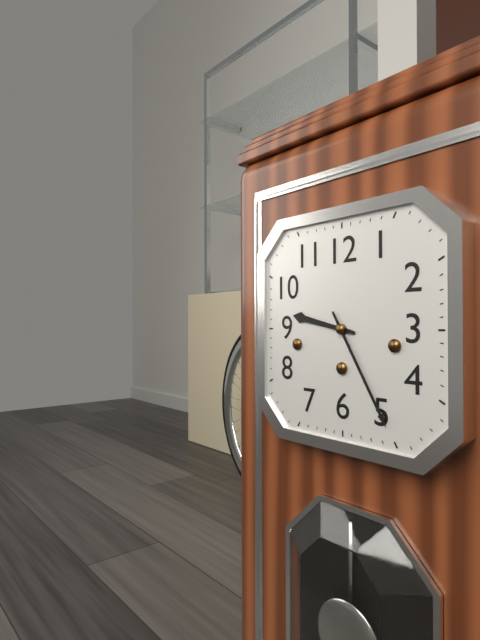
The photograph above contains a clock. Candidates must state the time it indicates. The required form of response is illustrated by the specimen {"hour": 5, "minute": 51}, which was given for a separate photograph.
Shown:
{"hour": 9, "minute": 25}
